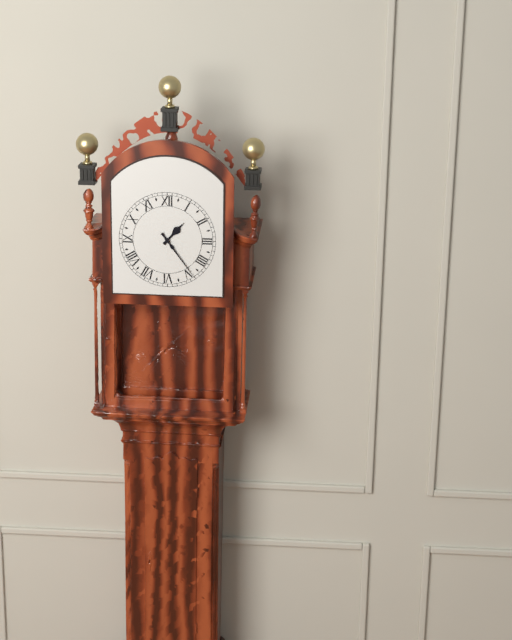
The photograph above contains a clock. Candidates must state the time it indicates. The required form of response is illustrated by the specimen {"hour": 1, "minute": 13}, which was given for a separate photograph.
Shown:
{"hour": 1, "minute": 24}
